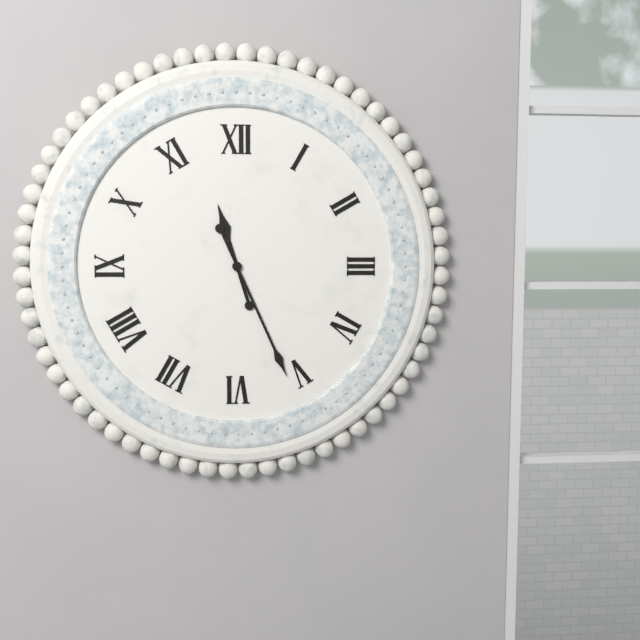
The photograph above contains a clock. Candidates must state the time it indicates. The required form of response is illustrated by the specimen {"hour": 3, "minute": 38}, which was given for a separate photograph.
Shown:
{"hour": 11, "minute": 26}
